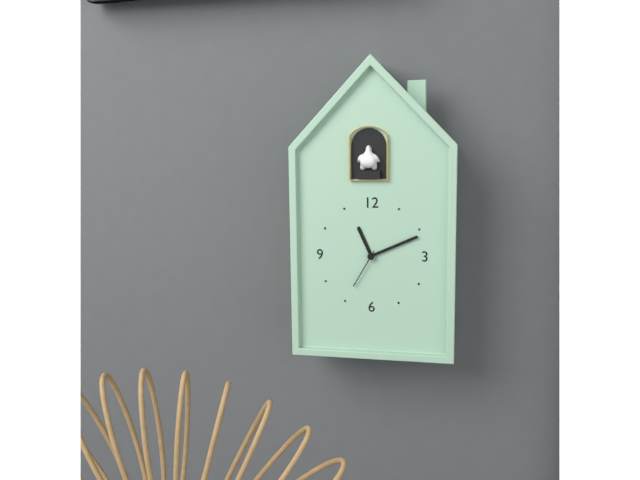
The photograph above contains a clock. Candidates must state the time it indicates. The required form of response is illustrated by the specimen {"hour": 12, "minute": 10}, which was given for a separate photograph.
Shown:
{"hour": 11, "minute": 11}
